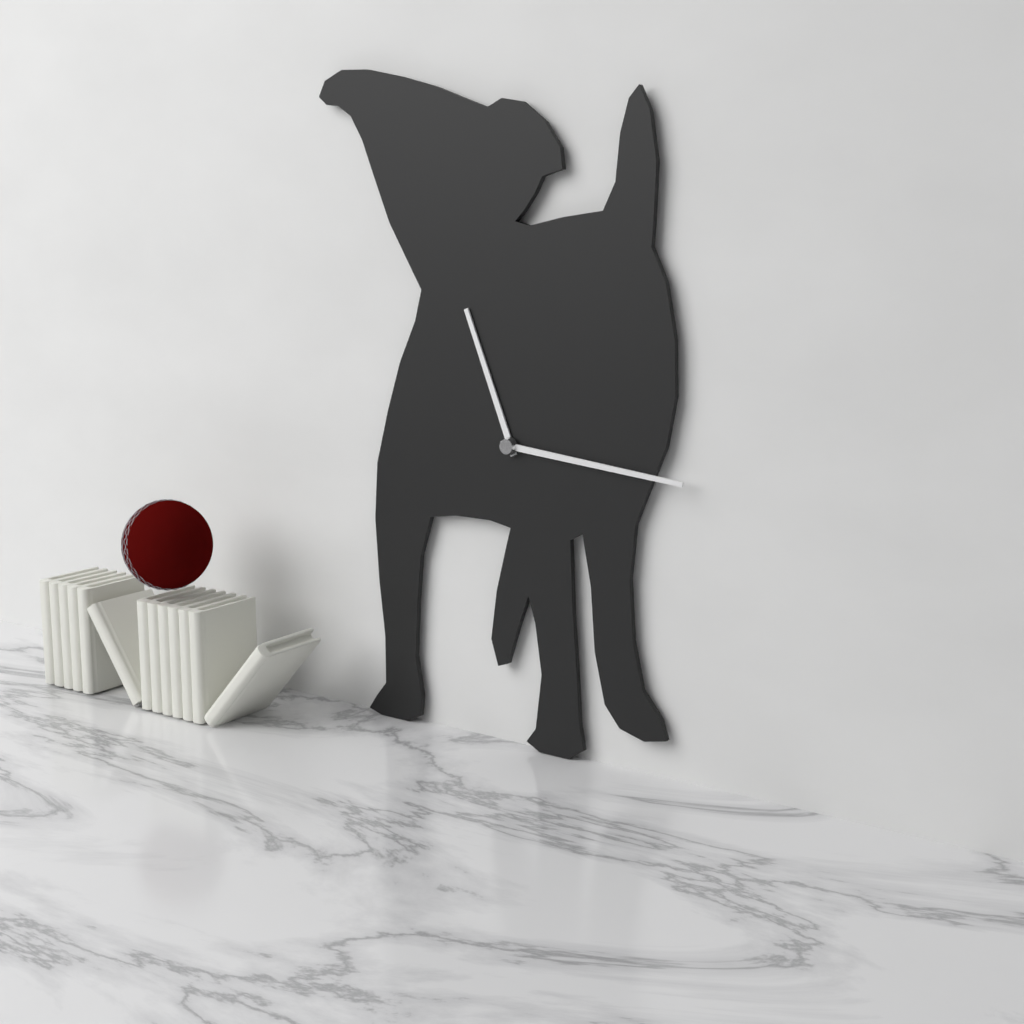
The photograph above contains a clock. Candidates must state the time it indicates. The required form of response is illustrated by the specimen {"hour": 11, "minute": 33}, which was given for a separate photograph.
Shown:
{"hour": 11, "minute": 16}
